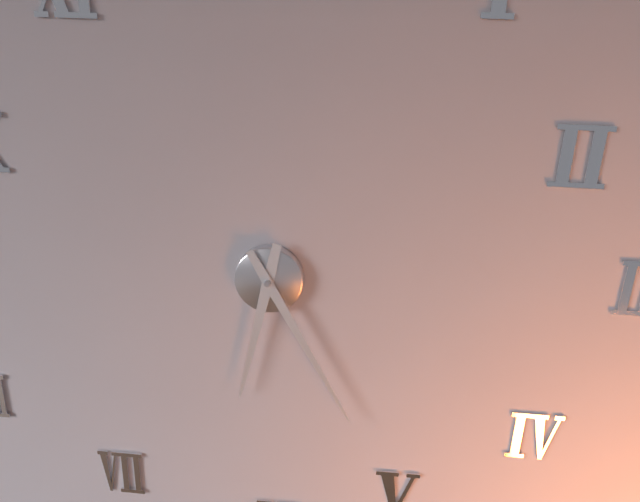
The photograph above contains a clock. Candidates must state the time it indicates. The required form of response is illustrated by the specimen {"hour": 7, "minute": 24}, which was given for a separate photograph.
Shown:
{"hour": 6, "minute": 25}
